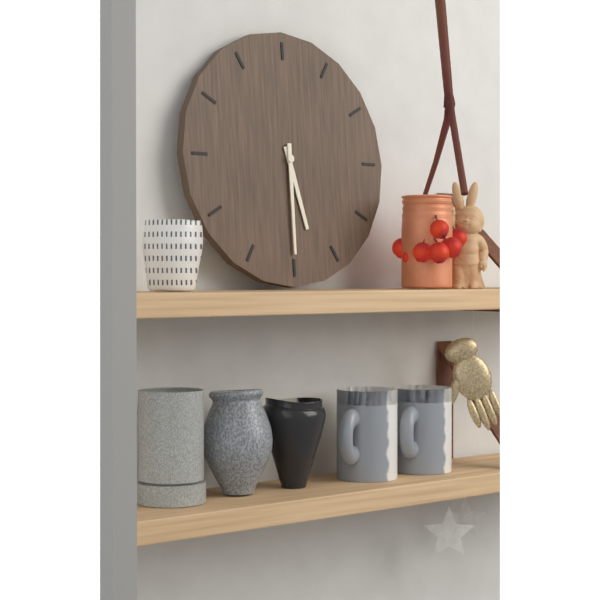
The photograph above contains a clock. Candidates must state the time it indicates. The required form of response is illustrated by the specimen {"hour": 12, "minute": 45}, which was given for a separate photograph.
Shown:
{"hour": 5, "minute": 30}
